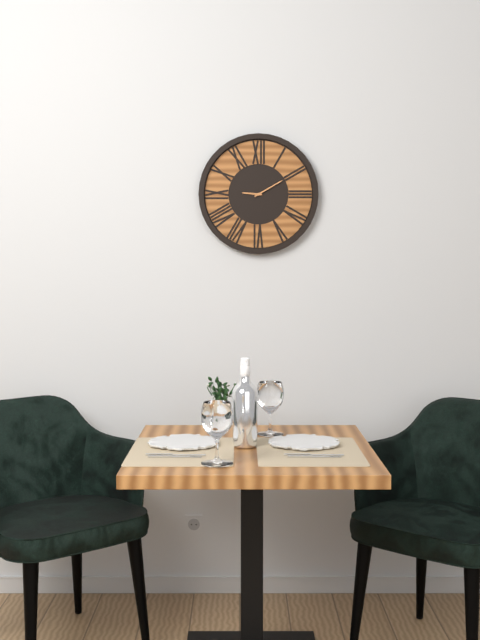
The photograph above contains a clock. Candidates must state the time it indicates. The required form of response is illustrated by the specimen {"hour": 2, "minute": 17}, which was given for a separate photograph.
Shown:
{"hour": 9, "minute": 10}
